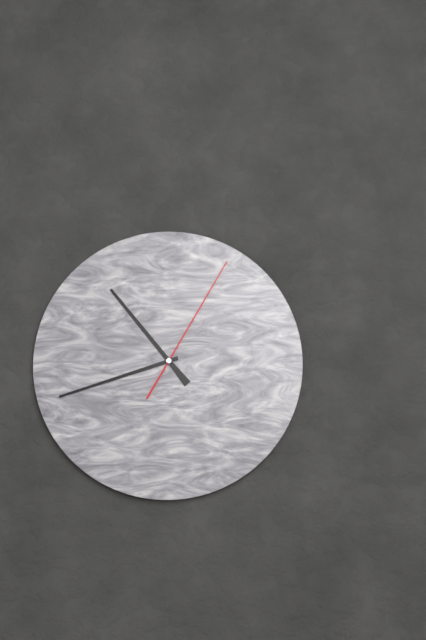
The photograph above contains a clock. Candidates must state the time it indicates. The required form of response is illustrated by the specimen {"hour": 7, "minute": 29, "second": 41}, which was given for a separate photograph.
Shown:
{"hour": 10, "minute": 42, "second": 5}
